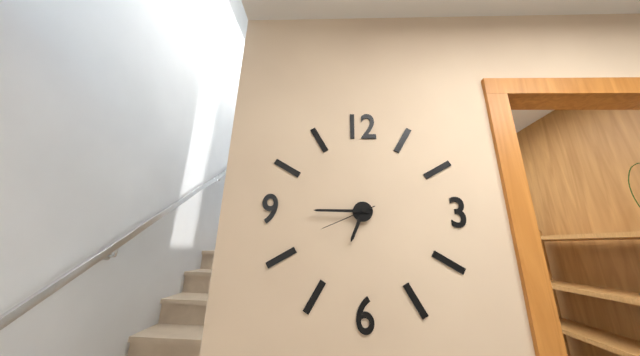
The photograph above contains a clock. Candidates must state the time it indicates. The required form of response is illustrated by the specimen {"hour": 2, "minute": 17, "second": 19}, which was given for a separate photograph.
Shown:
{"hour": 6, "minute": 45, "second": 41}
